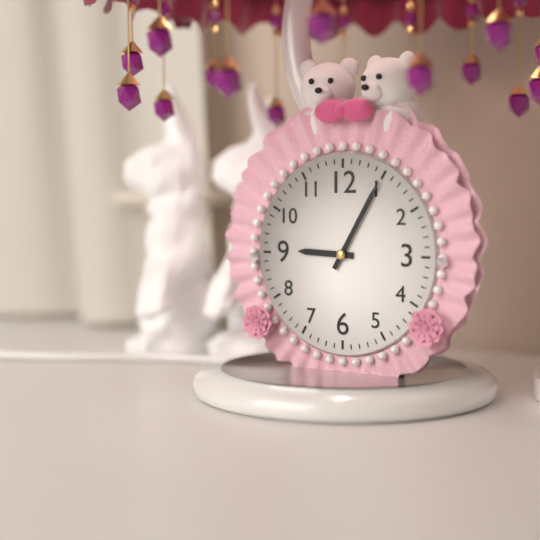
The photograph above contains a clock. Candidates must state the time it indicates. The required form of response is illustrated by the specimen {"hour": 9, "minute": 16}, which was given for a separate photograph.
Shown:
{"hour": 9, "minute": 5}
